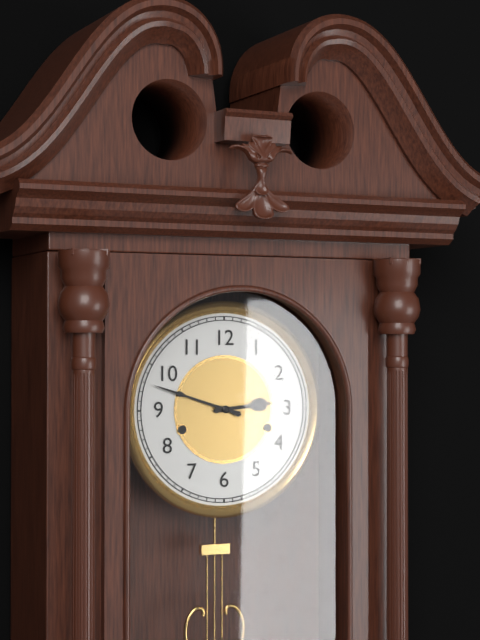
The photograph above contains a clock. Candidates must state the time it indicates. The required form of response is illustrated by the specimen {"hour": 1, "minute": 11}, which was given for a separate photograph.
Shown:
{"hour": 2, "minute": 48}
